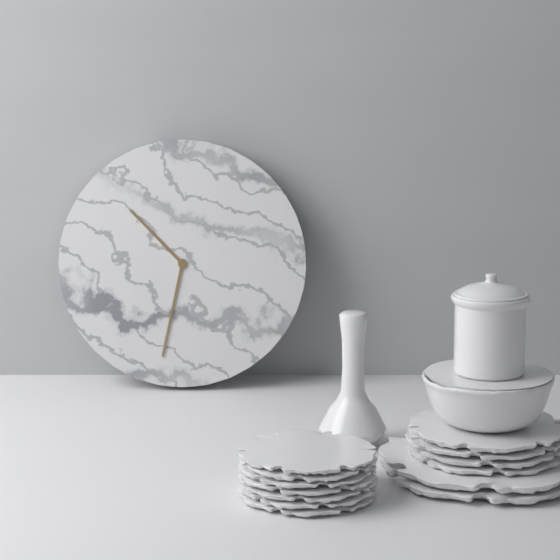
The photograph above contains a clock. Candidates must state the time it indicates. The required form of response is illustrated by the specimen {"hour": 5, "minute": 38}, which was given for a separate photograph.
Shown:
{"hour": 10, "minute": 32}
